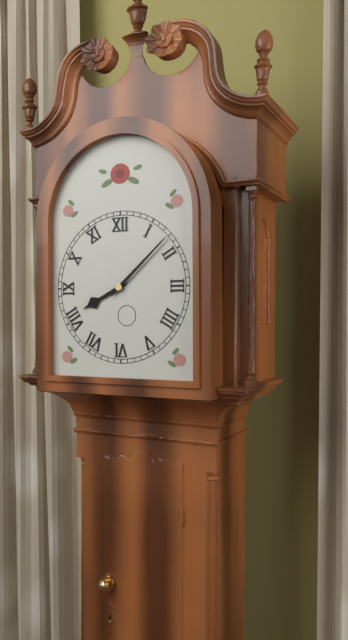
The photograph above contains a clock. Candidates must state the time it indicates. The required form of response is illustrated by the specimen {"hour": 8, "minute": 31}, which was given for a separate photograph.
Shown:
{"hour": 8, "minute": 8}
